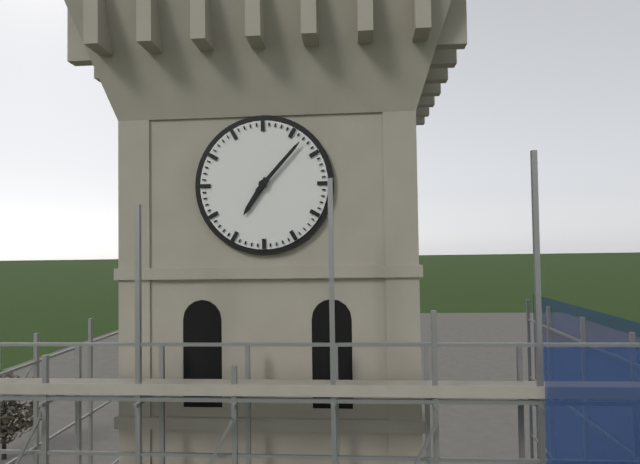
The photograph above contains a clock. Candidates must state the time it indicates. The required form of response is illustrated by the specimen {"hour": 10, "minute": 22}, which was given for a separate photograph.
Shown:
{"hour": 7, "minute": 7}
